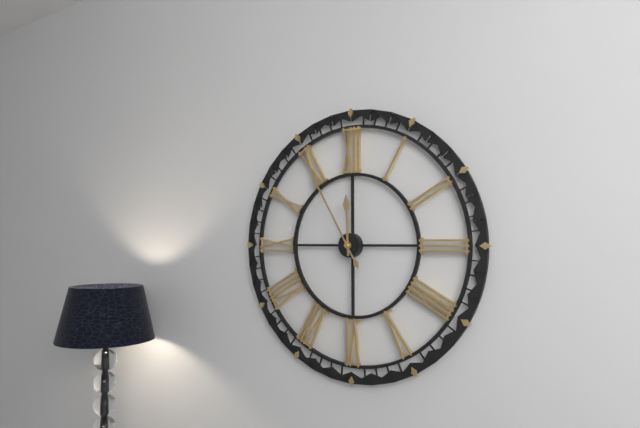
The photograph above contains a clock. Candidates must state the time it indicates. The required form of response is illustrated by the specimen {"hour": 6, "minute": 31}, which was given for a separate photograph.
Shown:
{"hour": 11, "minute": 55}
